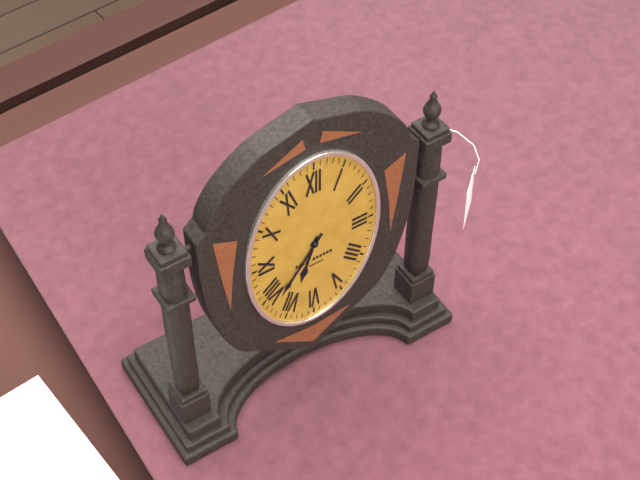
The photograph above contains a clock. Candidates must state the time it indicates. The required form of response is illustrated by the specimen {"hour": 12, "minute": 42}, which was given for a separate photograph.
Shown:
{"hour": 6, "minute": 36}
